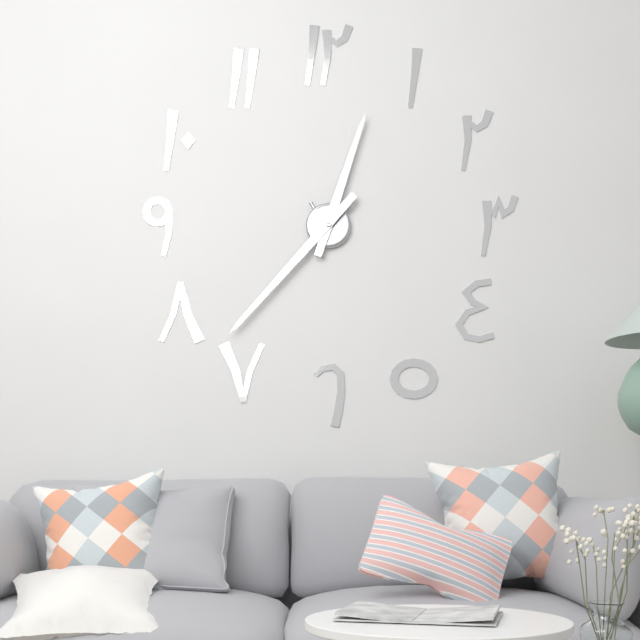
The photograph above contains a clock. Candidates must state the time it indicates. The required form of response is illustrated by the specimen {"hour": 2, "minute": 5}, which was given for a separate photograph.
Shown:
{"hour": 12, "minute": 37}
